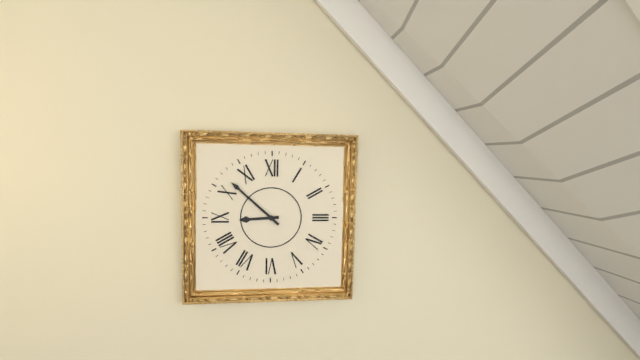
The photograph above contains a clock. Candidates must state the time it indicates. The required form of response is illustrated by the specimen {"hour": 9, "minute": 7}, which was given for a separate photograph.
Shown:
{"hour": 8, "minute": 52}
